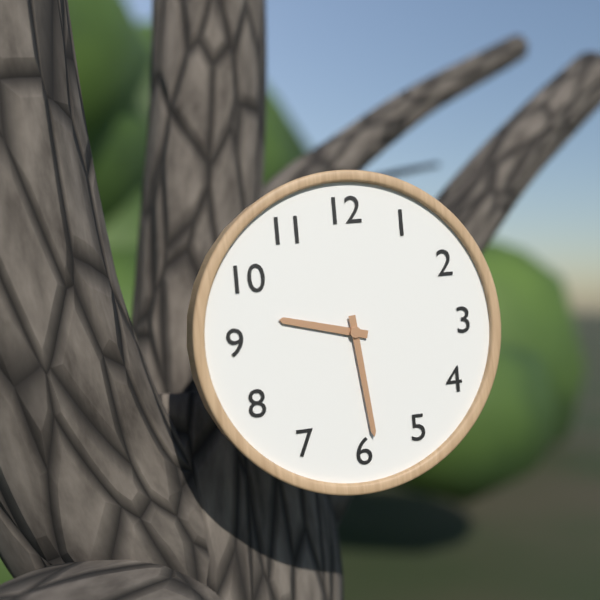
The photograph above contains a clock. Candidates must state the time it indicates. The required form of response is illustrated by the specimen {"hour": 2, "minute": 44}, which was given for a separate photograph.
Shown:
{"hour": 9, "minute": 29}
